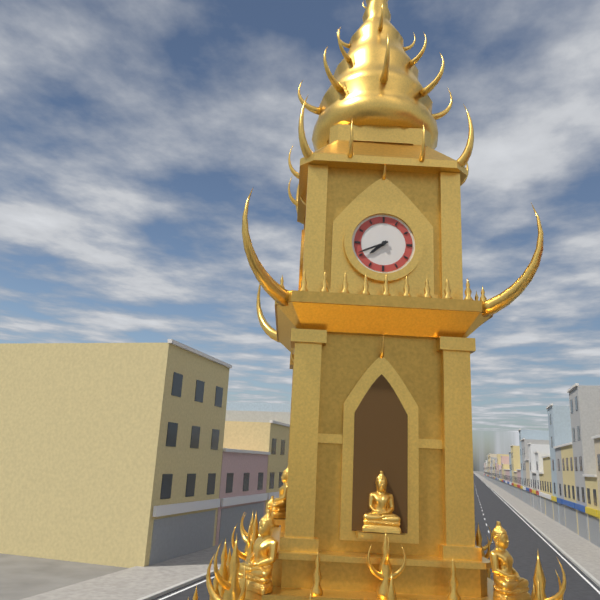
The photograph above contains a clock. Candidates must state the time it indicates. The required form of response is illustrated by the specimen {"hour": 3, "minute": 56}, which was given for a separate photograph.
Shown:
{"hour": 7, "minute": 41}
